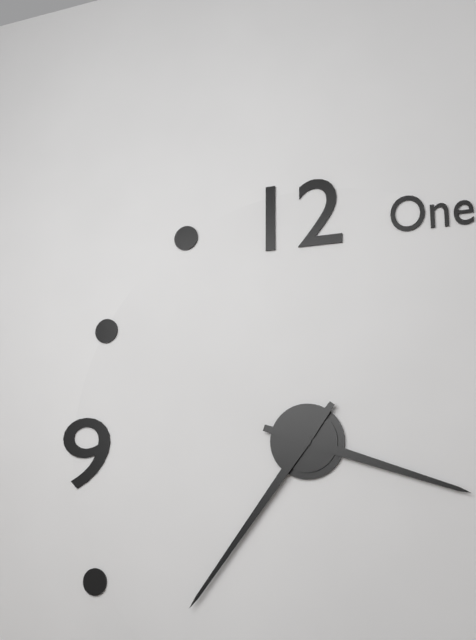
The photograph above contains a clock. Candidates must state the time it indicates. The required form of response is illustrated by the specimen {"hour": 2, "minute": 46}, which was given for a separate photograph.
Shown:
{"hour": 3, "minute": 36}
